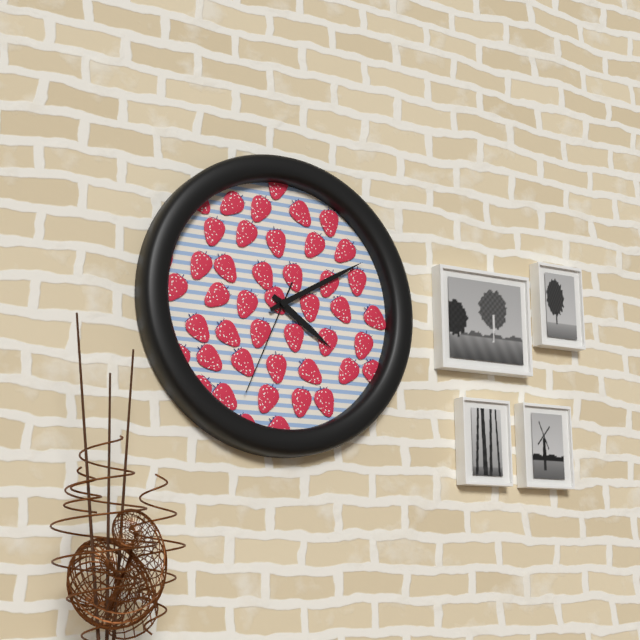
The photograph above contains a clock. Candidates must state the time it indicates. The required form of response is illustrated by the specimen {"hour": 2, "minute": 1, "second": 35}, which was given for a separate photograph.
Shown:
{"hour": 4, "minute": 10, "second": 34}
